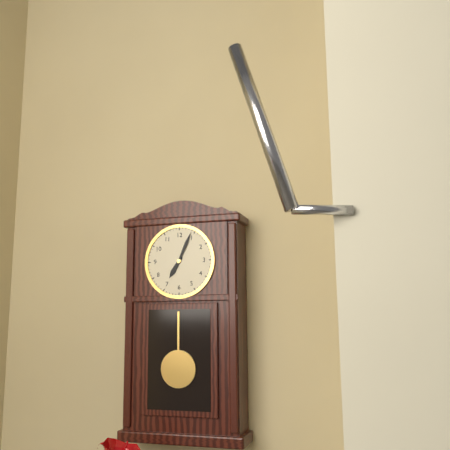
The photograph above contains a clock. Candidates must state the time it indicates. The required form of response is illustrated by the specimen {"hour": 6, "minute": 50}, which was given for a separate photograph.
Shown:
{"hour": 7, "minute": 4}
